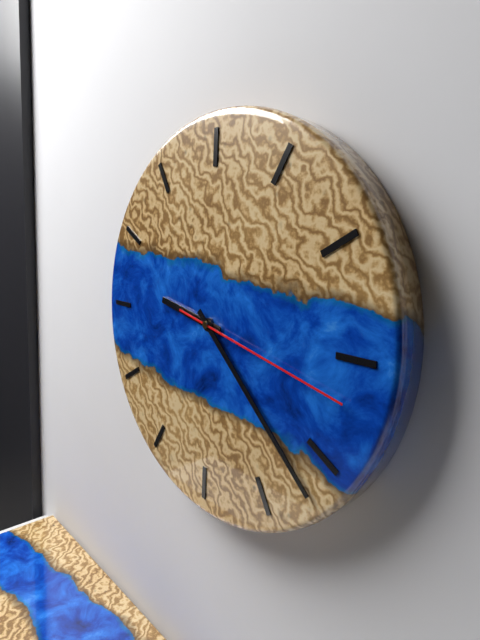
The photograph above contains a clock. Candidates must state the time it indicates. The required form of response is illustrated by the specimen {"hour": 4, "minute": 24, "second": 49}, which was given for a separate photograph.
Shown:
{"hour": 9, "minute": 22, "second": 17}
